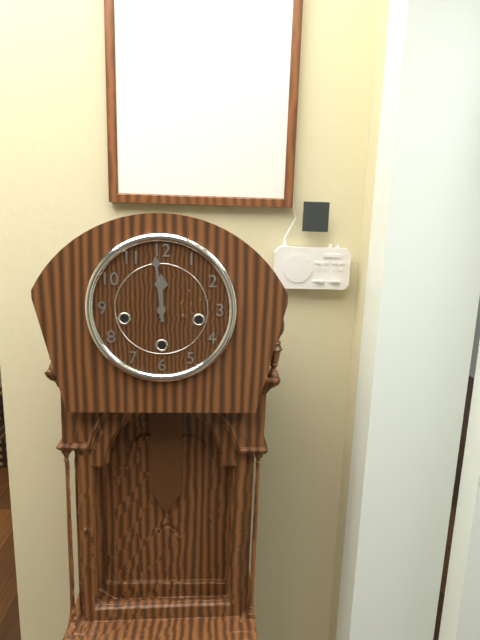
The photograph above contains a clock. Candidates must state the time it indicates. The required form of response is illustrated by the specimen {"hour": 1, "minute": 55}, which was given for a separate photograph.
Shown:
{"hour": 11, "minute": 59}
